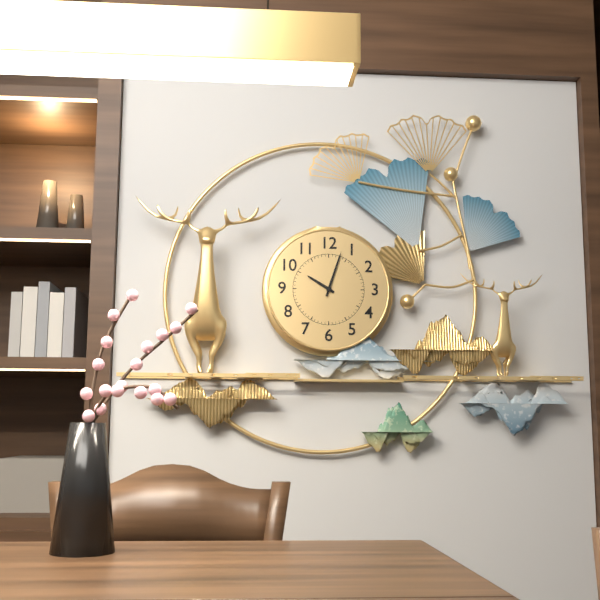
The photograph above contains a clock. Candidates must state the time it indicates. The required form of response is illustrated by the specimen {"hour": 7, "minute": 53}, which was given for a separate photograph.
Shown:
{"hour": 10, "minute": 3}
